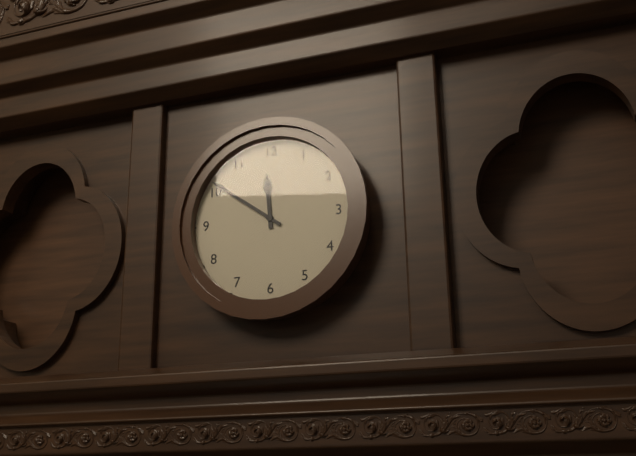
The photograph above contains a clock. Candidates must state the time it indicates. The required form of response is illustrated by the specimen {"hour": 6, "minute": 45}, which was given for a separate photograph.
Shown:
{"hour": 11, "minute": 51}
